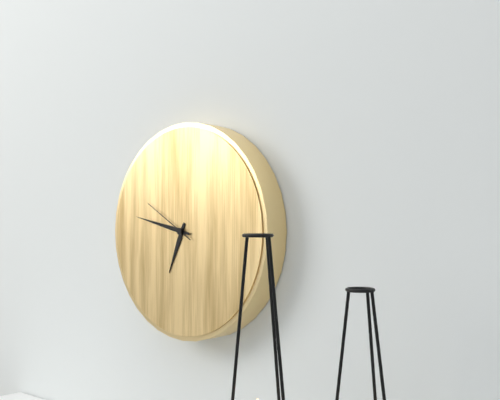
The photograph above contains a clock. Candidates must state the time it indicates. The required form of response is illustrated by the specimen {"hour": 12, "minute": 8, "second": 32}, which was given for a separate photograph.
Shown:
{"hour": 6, "minute": 47, "second": 50}
